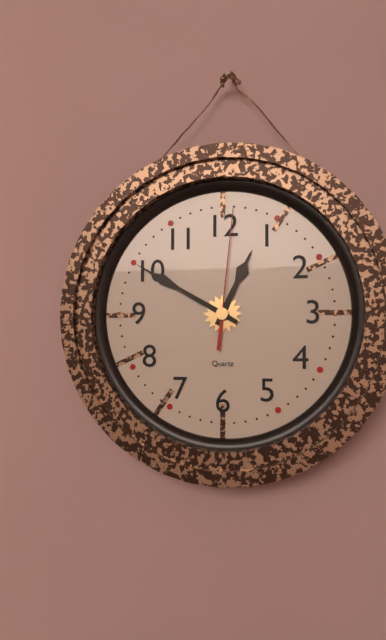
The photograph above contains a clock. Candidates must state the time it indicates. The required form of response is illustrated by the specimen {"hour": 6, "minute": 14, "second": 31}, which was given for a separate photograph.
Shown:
{"hour": 12, "minute": 50, "second": 1}
